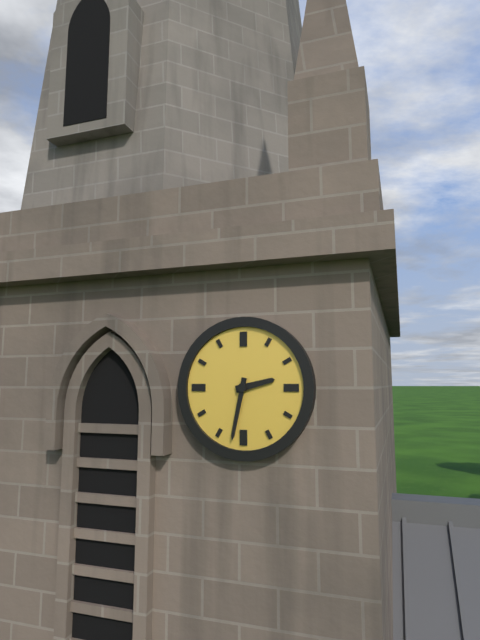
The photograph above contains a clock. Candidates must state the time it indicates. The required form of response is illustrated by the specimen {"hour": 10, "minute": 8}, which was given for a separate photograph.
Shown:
{"hour": 2, "minute": 32}
